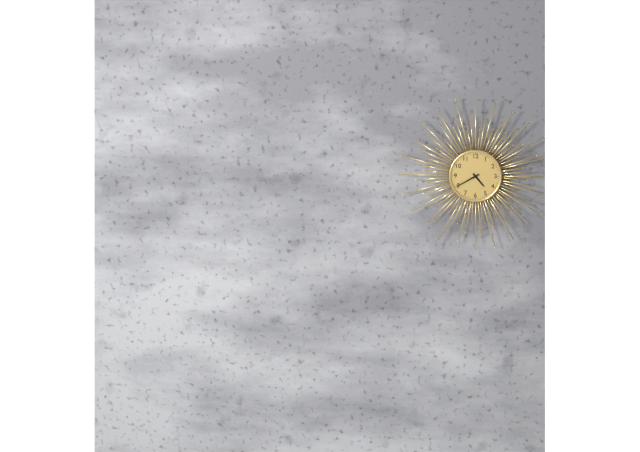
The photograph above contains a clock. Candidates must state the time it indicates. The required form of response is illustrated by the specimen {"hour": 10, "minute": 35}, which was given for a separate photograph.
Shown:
{"hour": 4, "minute": 40}
